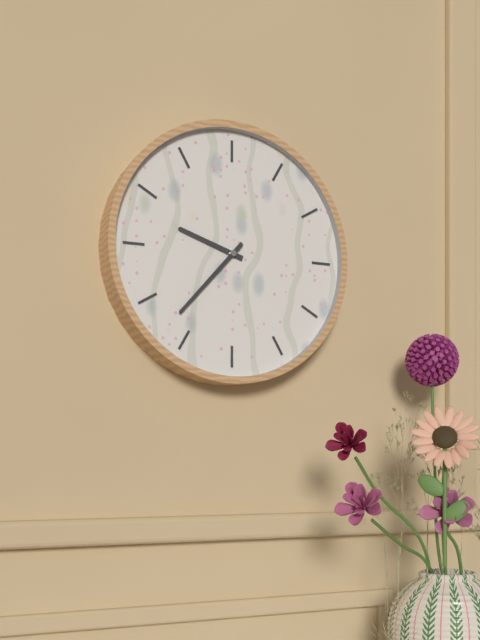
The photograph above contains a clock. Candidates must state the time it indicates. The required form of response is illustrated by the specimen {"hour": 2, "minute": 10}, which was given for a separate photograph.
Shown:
{"hour": 9, "minute": 37}
